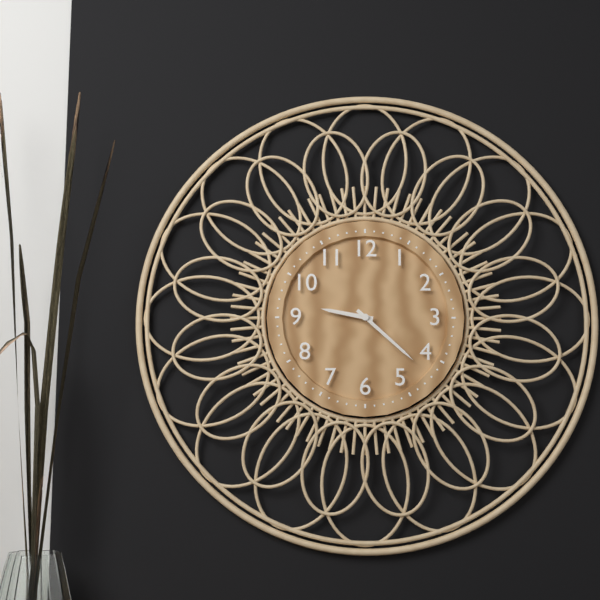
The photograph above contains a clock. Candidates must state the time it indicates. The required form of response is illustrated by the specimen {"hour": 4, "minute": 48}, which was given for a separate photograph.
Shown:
{"hour": 9, "minute": 22}
